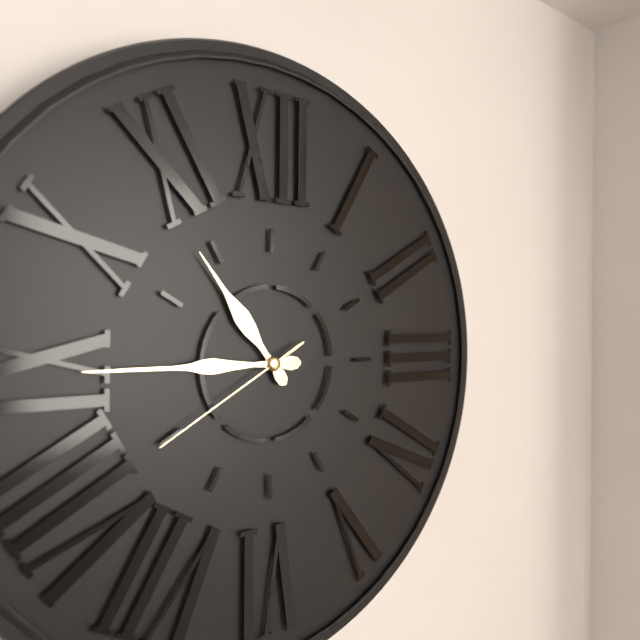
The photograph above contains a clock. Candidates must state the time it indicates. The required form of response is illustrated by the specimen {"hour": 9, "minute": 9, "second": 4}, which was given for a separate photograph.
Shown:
{"hour": 10, "minute": 45, "second": 40}
